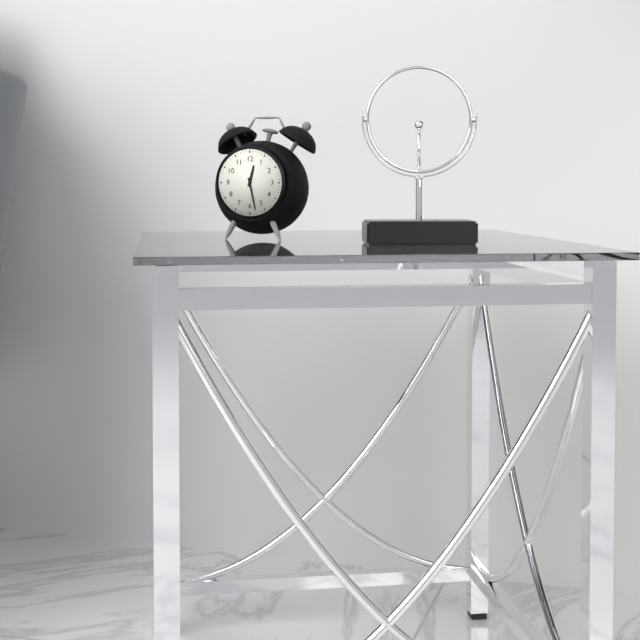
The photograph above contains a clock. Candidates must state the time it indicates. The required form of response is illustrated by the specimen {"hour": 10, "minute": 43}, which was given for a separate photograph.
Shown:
{"hour": 12, "minute": 28}
